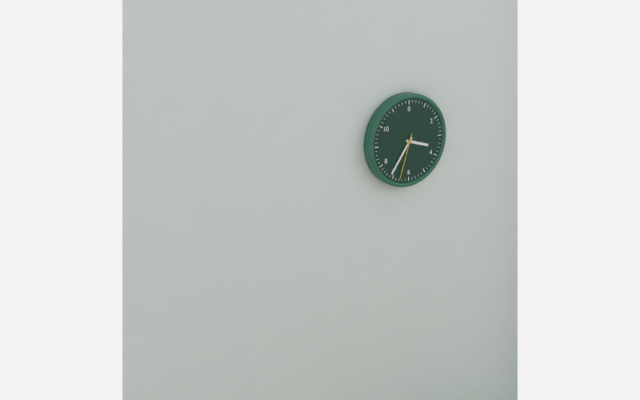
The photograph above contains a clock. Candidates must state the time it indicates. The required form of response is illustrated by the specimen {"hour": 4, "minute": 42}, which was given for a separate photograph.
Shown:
{"hour": 3, "minute": 36}
